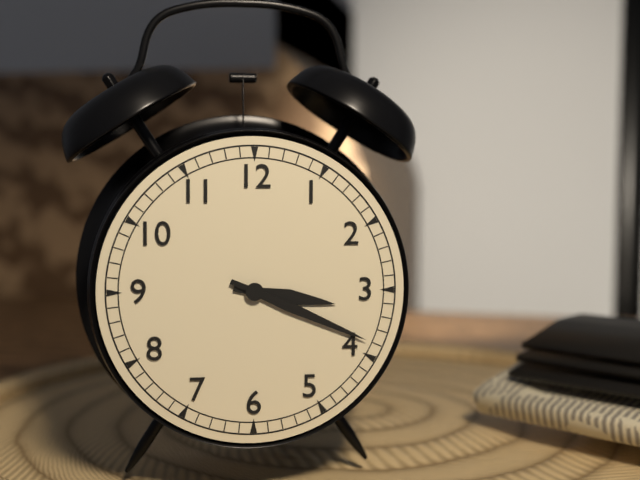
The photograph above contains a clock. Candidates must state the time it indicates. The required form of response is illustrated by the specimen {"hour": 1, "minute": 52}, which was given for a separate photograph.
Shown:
{"hour": 3, "minute": 19}
